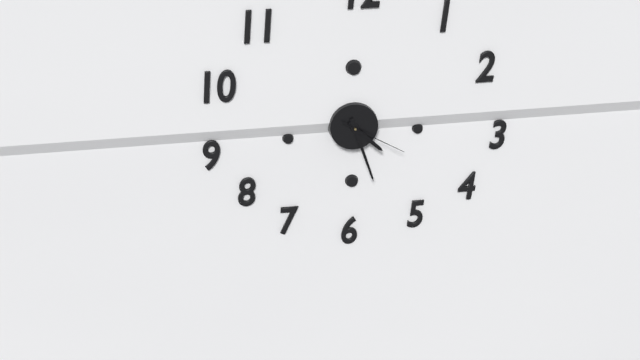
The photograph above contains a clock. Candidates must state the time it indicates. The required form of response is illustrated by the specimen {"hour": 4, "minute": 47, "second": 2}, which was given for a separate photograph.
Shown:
{"hour": 4, "minute": 27, "second": 20}
